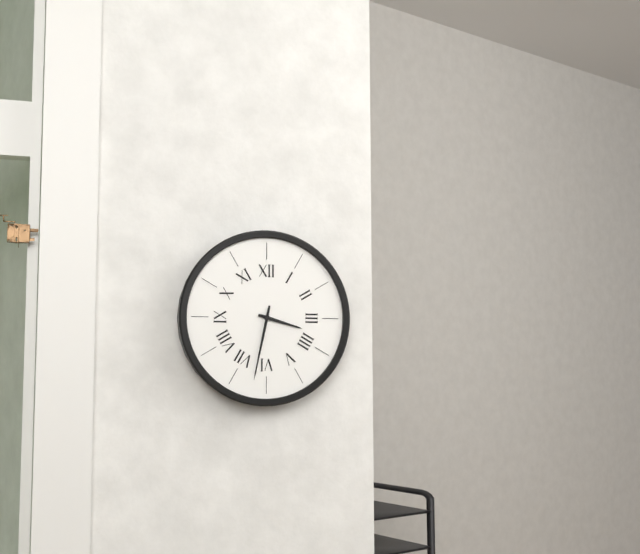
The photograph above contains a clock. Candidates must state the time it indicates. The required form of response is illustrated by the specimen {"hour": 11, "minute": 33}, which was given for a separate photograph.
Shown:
{"hour": 3, "minute": 32}
